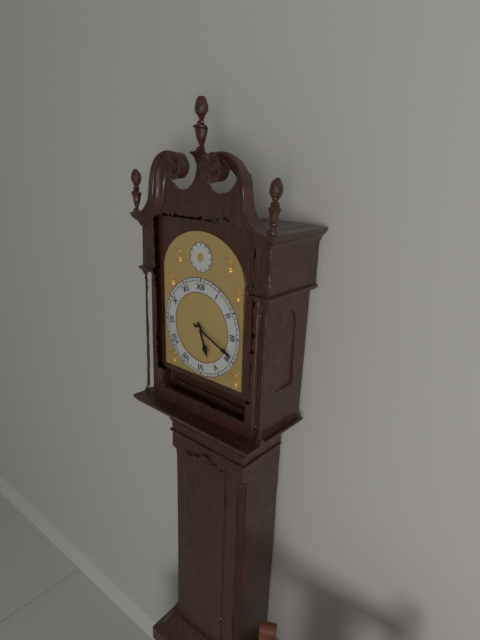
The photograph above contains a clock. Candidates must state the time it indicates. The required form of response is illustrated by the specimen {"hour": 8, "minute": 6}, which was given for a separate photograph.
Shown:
{"hour": 5, "minute": 19}
